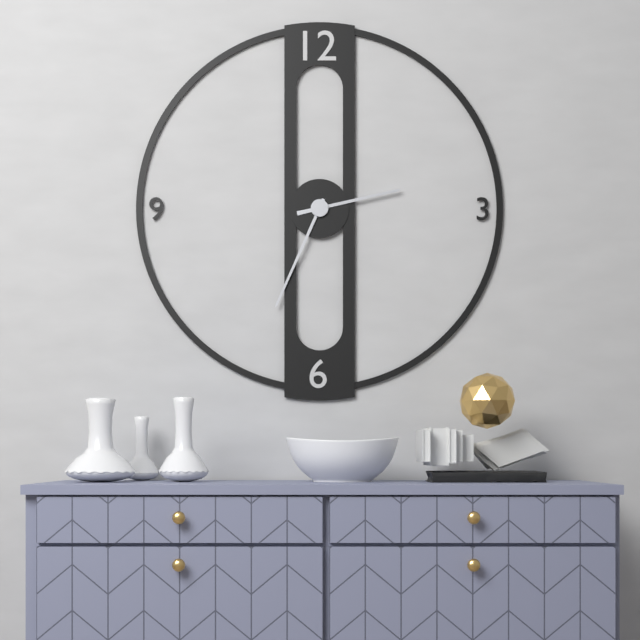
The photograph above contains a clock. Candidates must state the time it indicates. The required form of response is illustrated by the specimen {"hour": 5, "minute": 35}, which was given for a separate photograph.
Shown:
{"hour": 2, "minute": 34}
